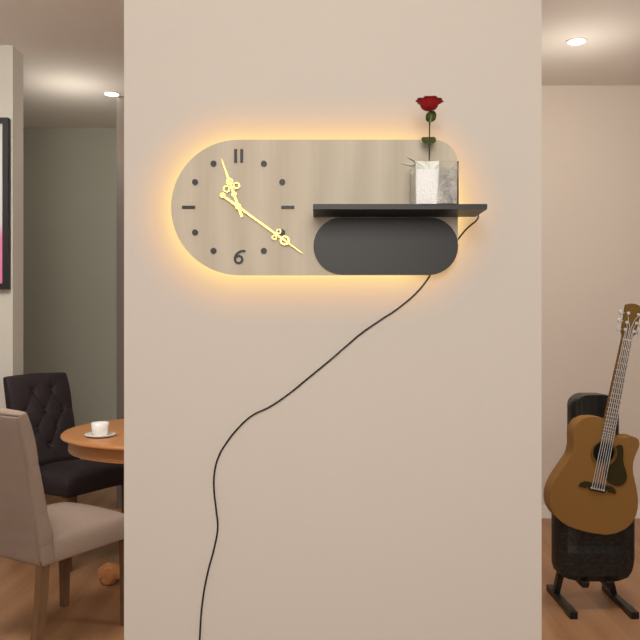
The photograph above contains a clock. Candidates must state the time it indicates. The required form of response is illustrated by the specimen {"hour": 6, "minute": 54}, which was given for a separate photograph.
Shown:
{"hour": 11, "minute": 21}
